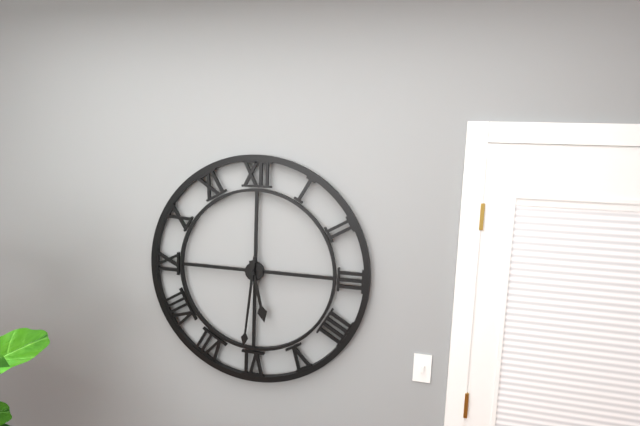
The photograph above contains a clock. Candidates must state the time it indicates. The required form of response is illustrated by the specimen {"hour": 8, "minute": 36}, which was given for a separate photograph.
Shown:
{"hour": 5, "minute": 31}
